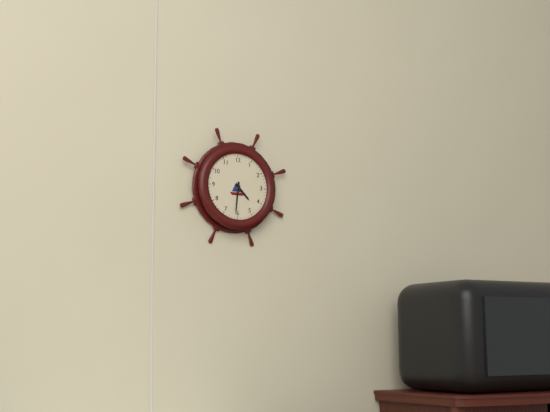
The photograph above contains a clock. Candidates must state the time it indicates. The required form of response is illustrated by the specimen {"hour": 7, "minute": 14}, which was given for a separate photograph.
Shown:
{"hour": 4, "minute": 31}
